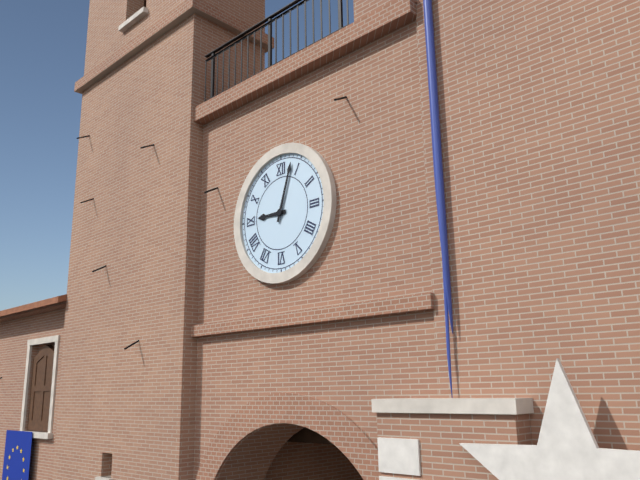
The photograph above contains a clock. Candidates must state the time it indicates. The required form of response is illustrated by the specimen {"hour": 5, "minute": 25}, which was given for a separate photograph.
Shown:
{"hour": 9, "minute": 3}
